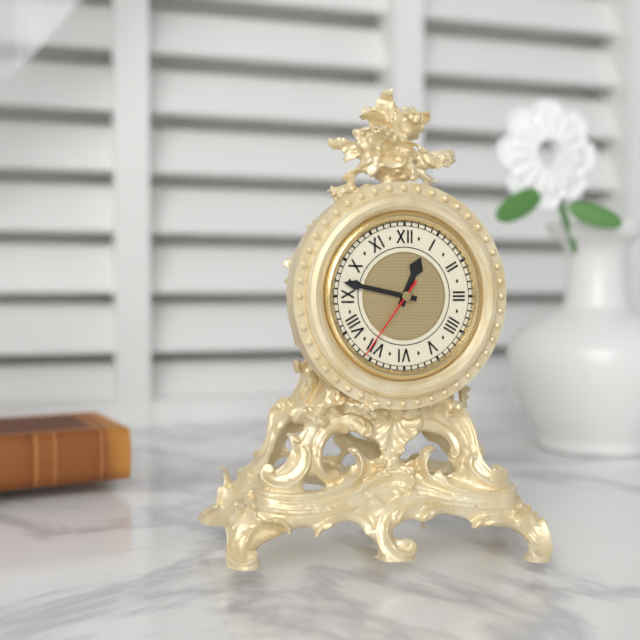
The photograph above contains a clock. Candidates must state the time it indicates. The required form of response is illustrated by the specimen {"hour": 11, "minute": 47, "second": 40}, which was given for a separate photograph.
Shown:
{"hour": 12, "minute": 47, "second": 36}
